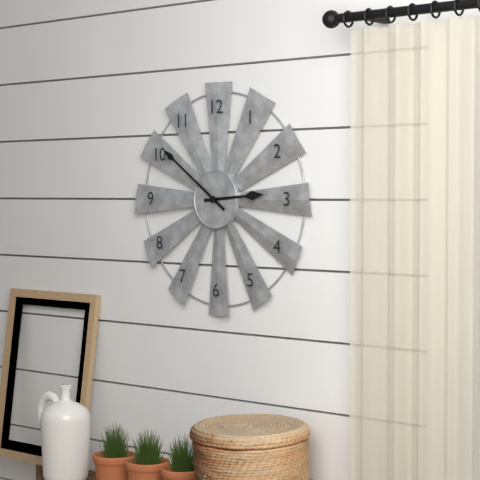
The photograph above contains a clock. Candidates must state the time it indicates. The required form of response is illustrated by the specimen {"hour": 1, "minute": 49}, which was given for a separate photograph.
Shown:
{"hour": 2, "minute": 51}
